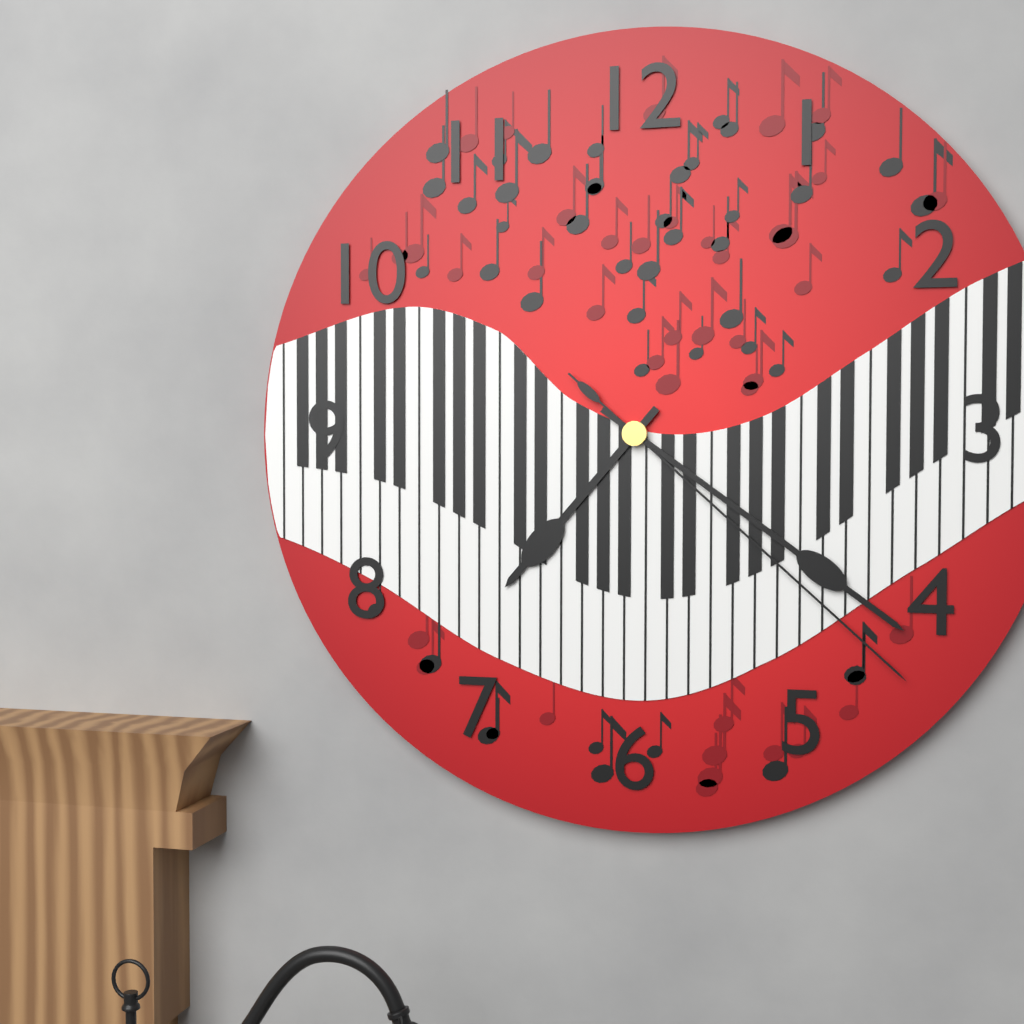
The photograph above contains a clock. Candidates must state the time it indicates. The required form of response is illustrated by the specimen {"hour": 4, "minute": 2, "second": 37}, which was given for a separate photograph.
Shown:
{"hour": 7, "minute": 21, "second": 22}
